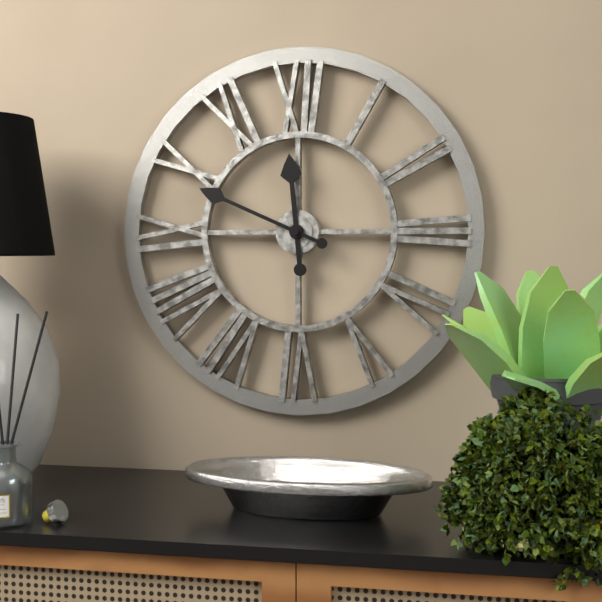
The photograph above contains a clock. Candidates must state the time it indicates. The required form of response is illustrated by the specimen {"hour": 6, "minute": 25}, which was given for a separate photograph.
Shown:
{"hour": 11, "minute": 49}
